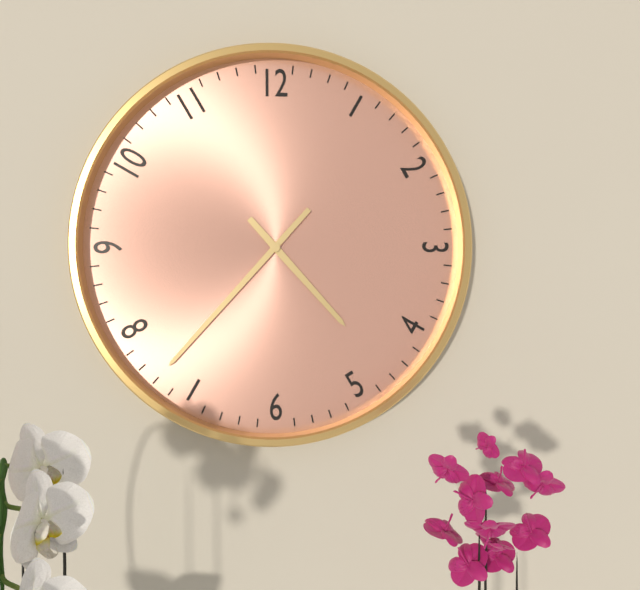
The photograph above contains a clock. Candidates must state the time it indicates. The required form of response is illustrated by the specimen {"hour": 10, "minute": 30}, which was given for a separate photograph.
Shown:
{"hour": 4, "minute": 37}
